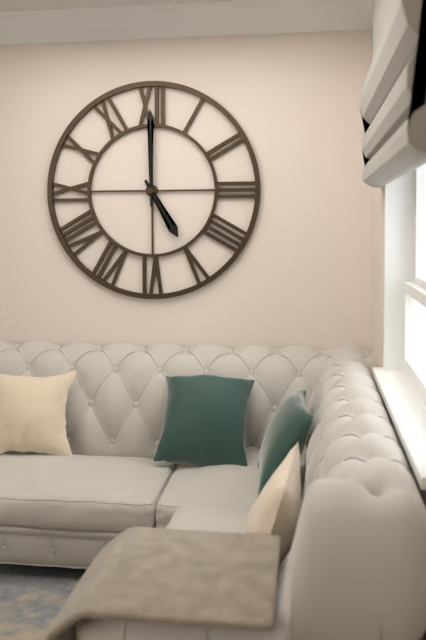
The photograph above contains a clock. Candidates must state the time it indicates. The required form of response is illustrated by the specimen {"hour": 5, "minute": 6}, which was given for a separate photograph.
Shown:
{"hour": 5, "minute": 0}
